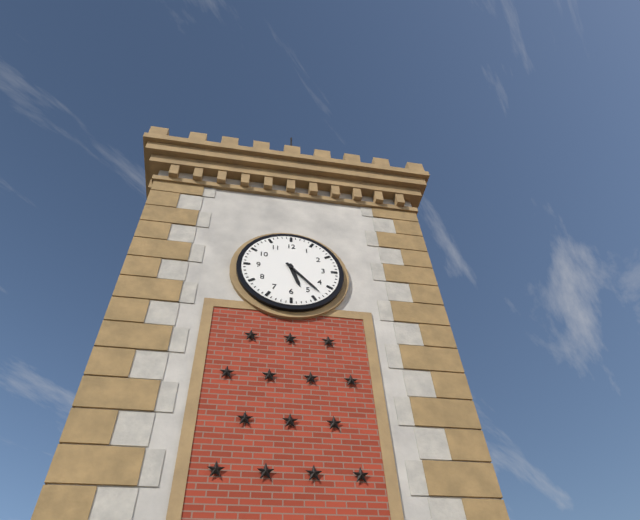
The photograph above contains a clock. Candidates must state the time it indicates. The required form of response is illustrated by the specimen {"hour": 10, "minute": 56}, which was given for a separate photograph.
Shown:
{"hour": 5, "minute": 23}
